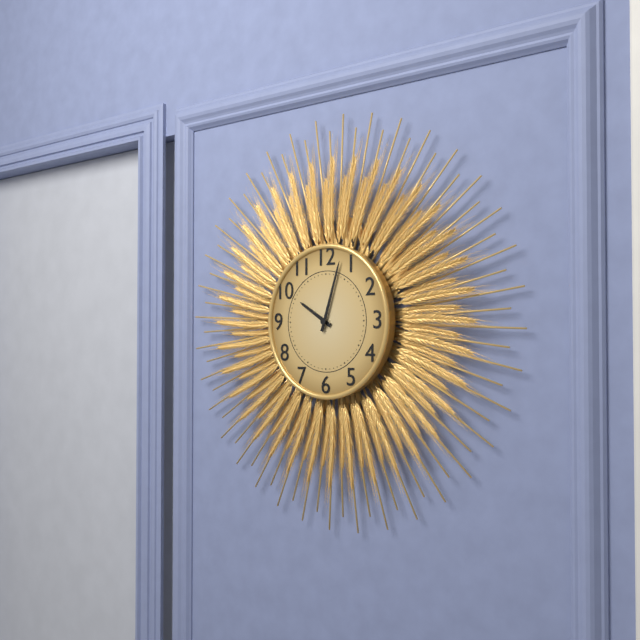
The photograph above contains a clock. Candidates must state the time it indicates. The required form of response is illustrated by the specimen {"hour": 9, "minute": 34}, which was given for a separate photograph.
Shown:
{"hour": 10, "minute": 3}
